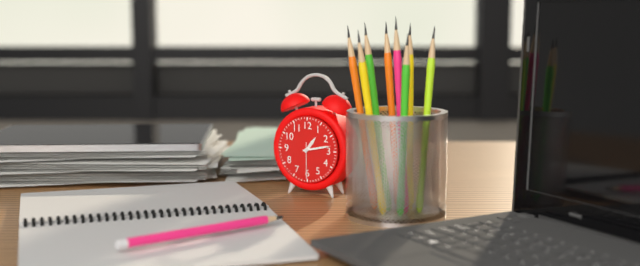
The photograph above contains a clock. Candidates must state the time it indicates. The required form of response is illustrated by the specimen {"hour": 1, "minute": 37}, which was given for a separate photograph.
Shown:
{"hour": 1, "minute": 13}
